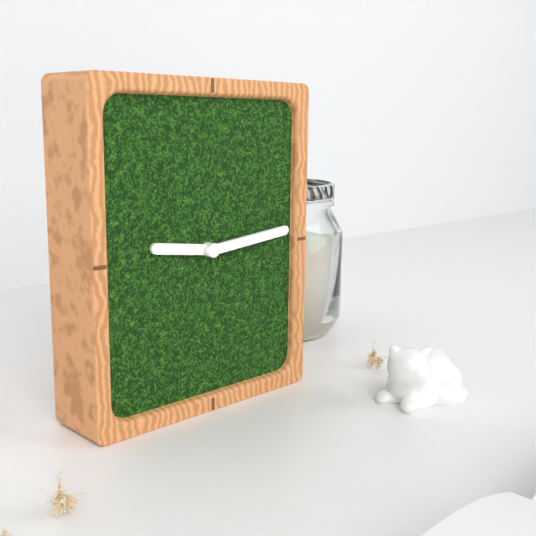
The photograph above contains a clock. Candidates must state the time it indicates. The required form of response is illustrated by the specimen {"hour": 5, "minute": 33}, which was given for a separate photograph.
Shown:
{"hour": 9, "minute": 14}
